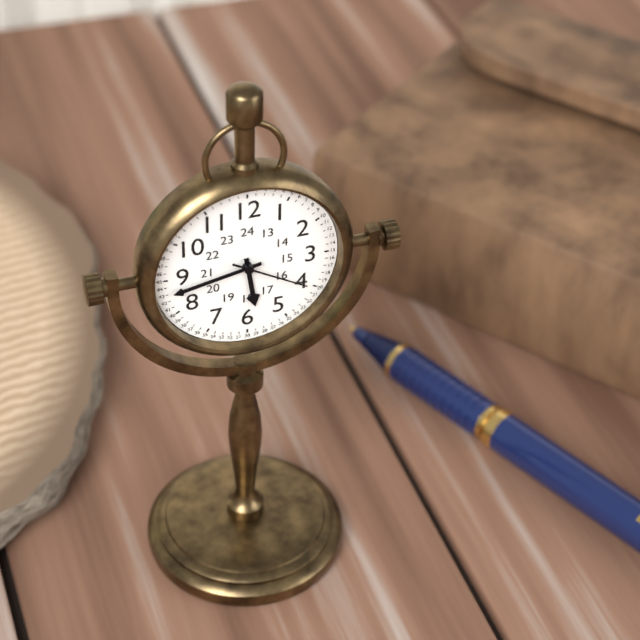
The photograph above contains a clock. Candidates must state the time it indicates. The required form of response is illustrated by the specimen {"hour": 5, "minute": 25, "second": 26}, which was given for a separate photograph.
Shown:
{"hour": 5, "minute": 43, "second": 20}
